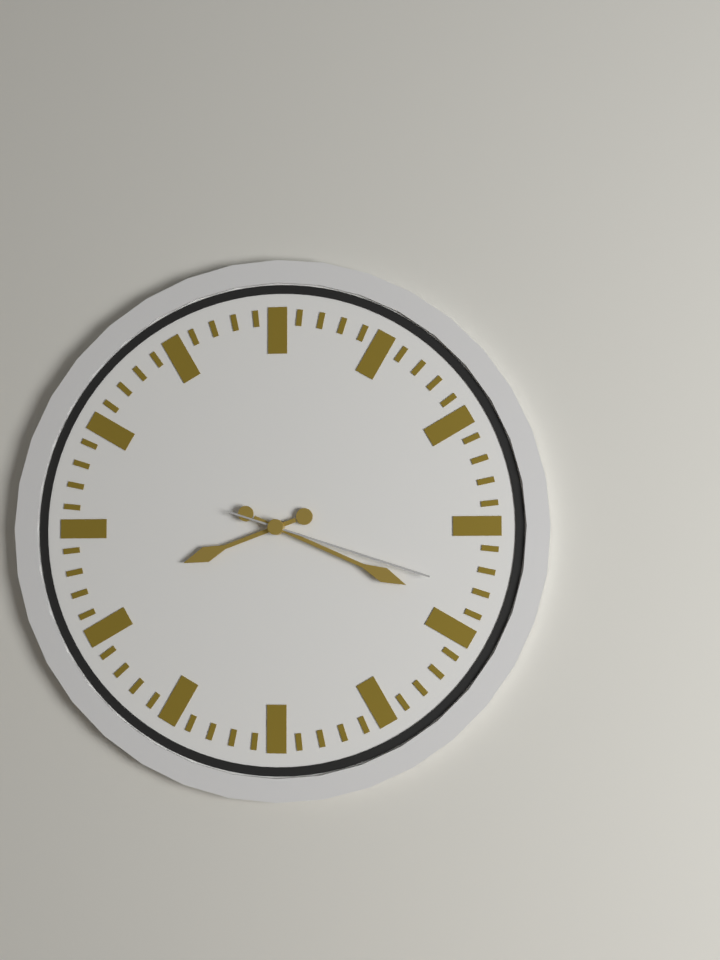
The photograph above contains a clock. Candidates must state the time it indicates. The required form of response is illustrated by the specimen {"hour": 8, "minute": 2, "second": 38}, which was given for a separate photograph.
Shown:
{"hour": 8, "minute": 19, "second": 18}
